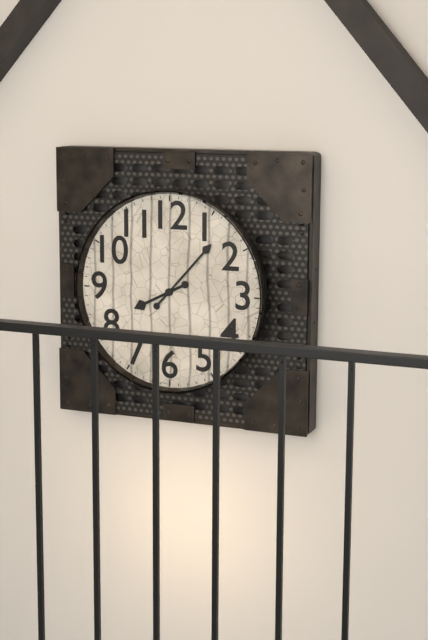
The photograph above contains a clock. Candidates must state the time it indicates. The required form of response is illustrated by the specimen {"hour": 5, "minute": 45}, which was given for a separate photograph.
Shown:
{"hour": 8, "minute": 7}
